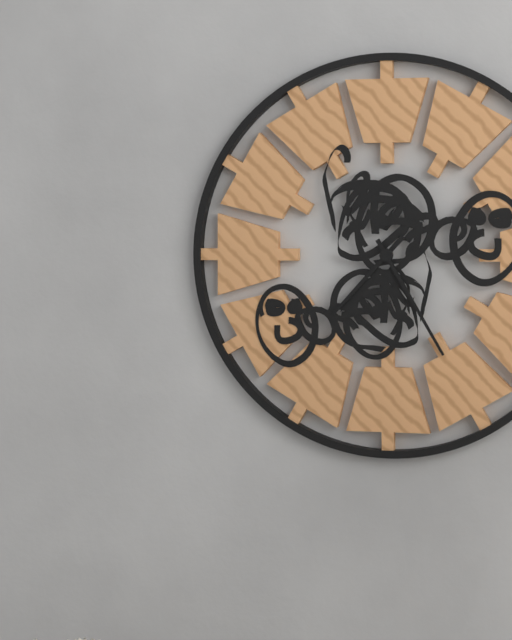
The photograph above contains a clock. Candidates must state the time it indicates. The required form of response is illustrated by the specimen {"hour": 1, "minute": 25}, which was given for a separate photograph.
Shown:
{"hour": 7, "minute": 25}
